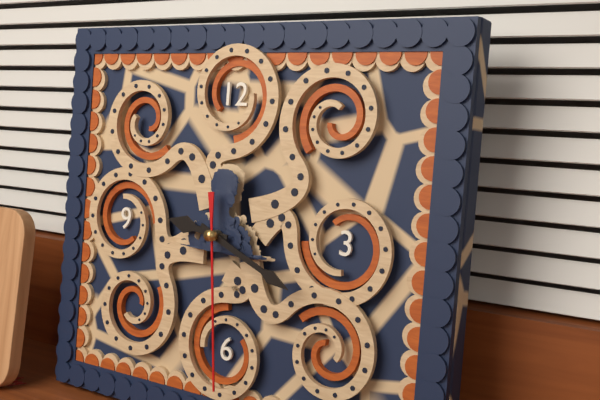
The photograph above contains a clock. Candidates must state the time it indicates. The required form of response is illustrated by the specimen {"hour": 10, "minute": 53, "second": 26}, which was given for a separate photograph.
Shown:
{"hour": 9, "minute": 19, "second": 29}
